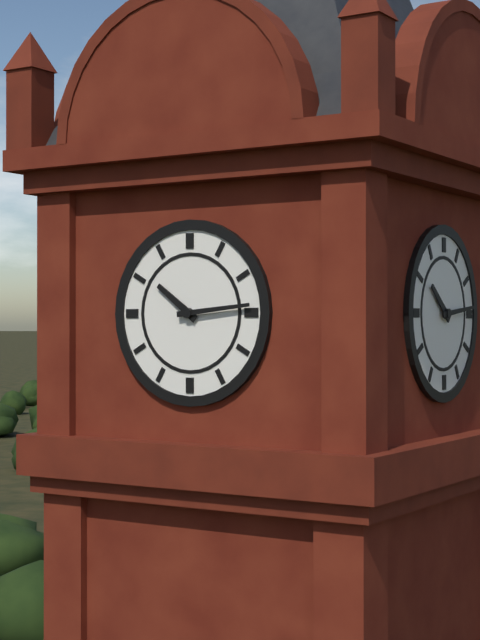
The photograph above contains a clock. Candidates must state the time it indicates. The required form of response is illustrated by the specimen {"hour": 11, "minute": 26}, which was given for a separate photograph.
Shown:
{"hour": 10, "minute": 14}
